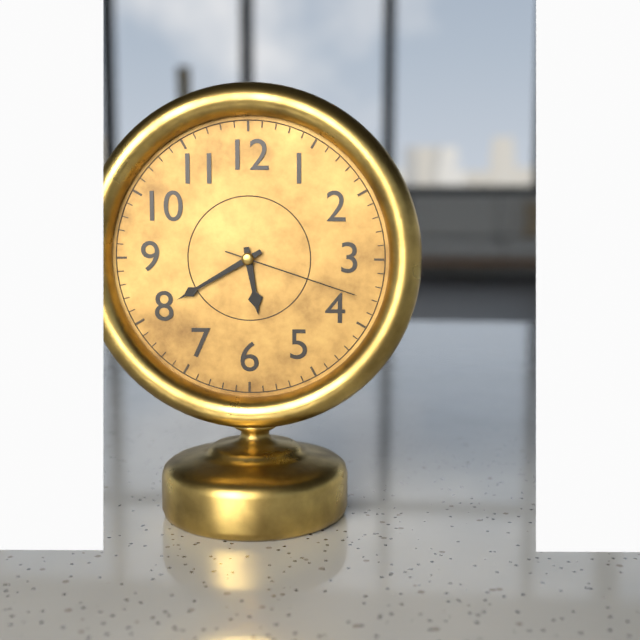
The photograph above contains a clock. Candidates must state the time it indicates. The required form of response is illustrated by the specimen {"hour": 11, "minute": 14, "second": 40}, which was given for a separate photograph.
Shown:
{"hour": 5, "minute": 40, "second": 18}
